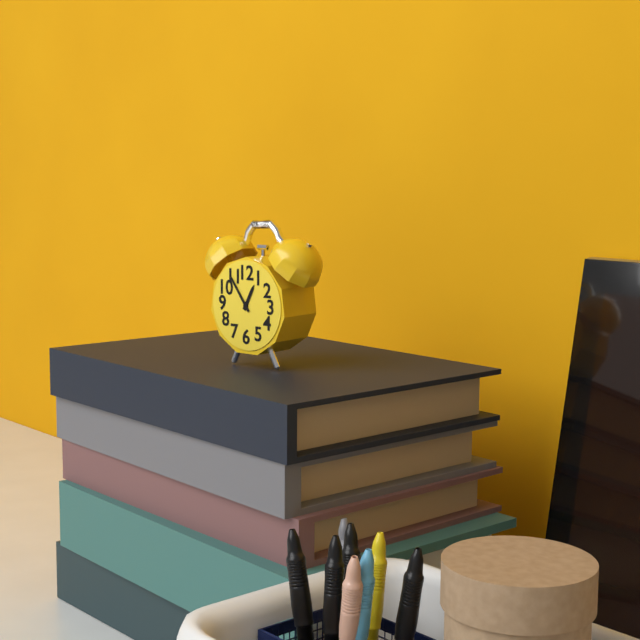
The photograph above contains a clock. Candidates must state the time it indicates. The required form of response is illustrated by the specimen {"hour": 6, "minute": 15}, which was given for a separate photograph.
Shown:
{"hour": 12, "minute": 54}
